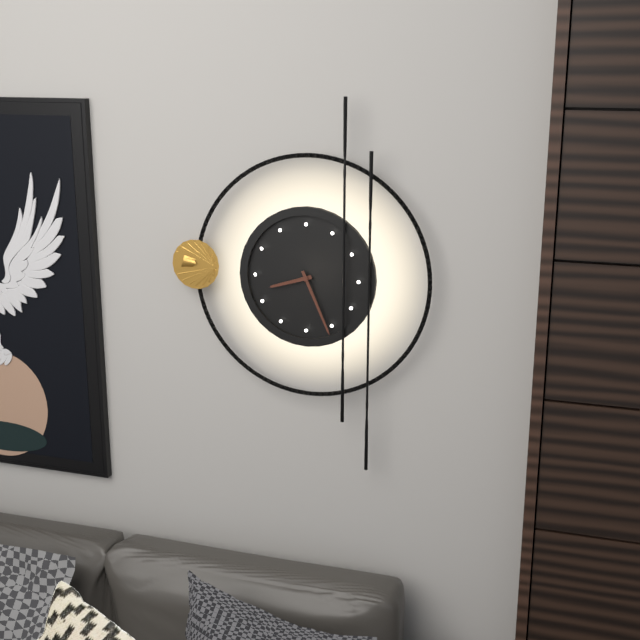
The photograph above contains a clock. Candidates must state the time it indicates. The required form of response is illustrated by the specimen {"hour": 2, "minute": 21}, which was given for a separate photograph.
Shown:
{"hour": 8, "minute": 26}
